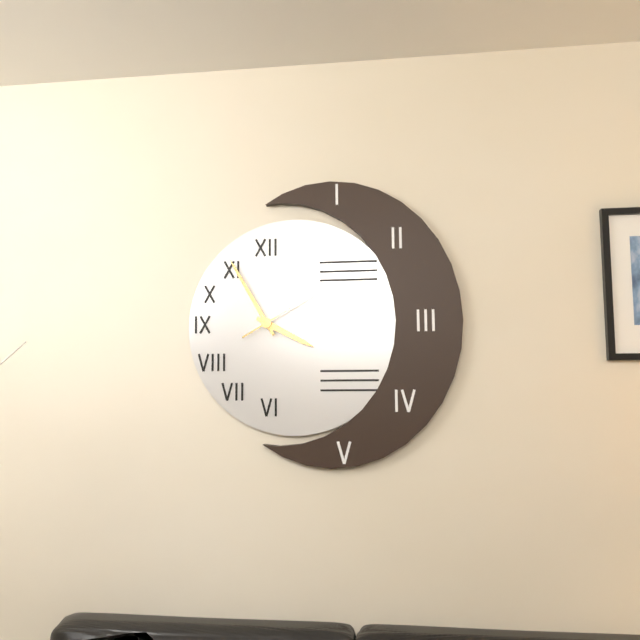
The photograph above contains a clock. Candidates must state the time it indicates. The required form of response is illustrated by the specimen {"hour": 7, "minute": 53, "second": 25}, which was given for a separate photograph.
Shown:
{"hour": 3, "minute": 55, "second": 10}
